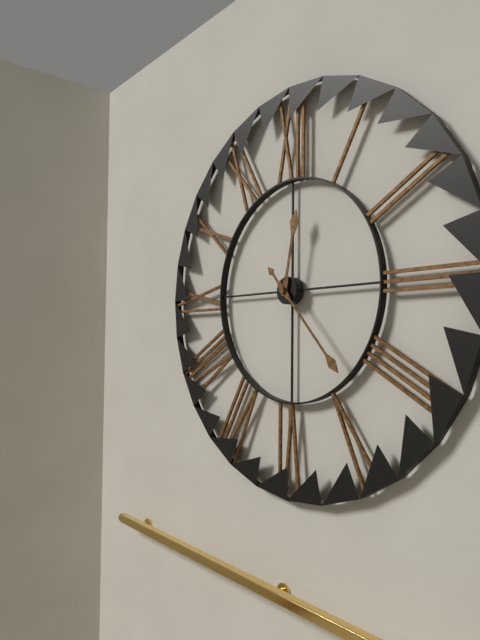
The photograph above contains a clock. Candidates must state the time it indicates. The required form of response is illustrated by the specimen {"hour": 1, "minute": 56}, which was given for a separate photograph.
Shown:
{"hour": 12, "minute": 23}
